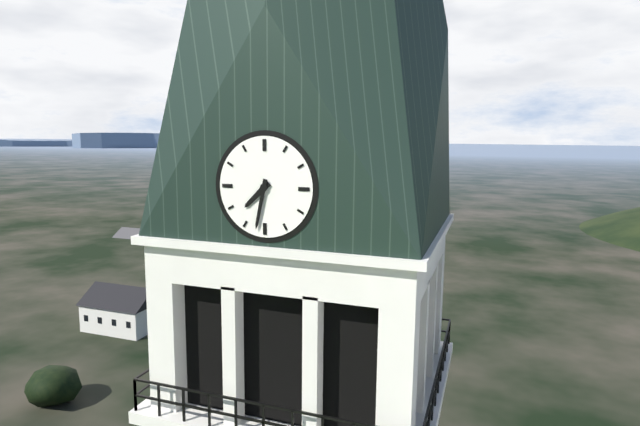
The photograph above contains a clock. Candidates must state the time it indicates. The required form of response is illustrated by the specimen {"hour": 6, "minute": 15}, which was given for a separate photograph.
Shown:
{"hour": 7, "minute": 32}
